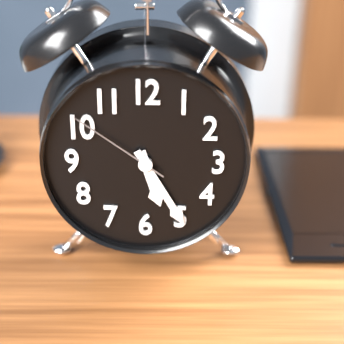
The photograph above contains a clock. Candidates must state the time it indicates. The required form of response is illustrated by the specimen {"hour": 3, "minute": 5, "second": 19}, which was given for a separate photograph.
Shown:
{"hour": 5, "minute": 25, "second": 51}
